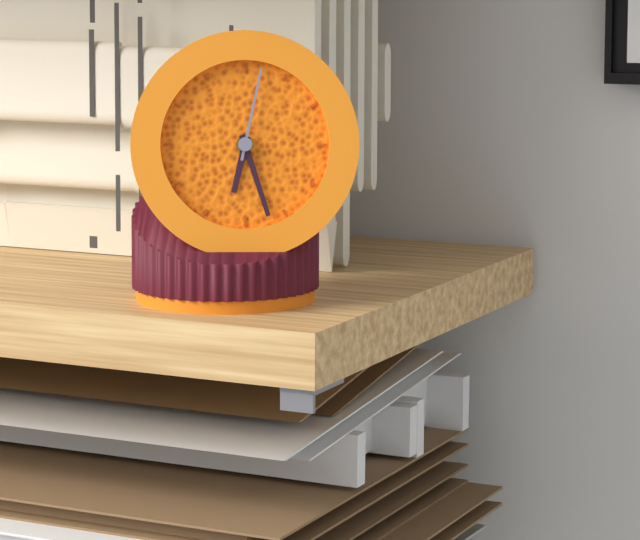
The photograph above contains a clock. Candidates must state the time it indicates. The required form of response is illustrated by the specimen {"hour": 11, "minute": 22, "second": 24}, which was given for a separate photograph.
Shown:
{"hour": 6, "minute": 27, "second": 2}
